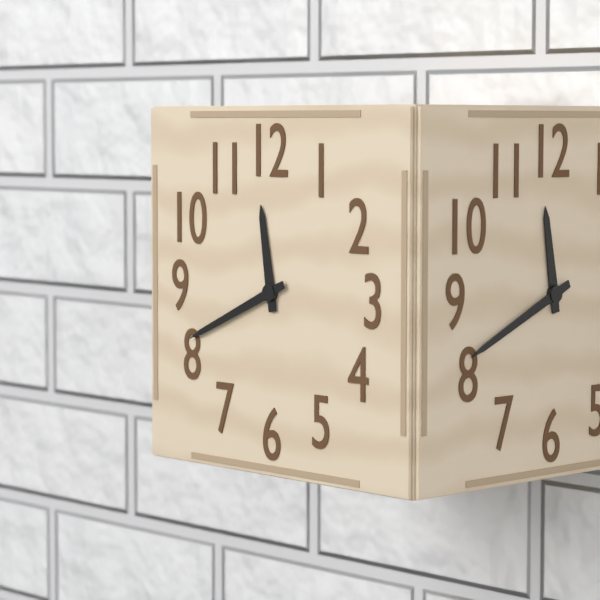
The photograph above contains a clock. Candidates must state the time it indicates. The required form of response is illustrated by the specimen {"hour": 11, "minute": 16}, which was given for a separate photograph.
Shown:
{"hour": 11, "minute": 41}
